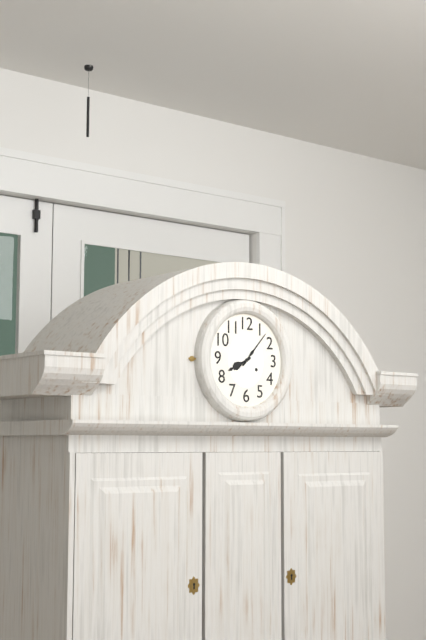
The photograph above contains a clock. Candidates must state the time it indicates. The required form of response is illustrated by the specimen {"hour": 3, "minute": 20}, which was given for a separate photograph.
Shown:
{"hour": 8, "minute": 7}
